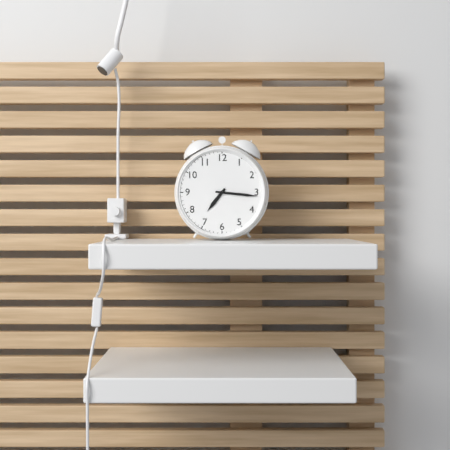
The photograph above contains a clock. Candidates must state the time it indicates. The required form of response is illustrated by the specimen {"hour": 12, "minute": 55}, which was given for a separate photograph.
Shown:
{"hour": 7, "minute": 16}
